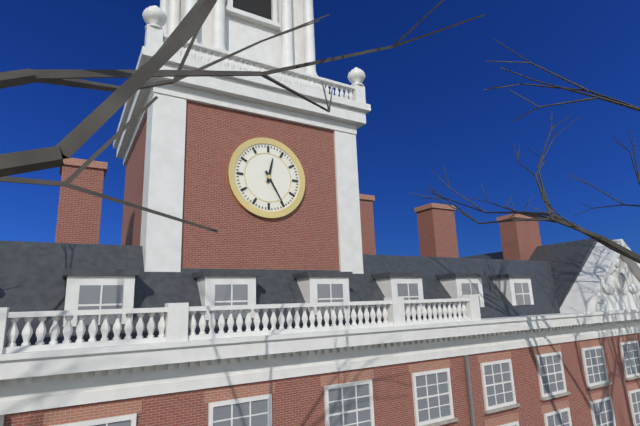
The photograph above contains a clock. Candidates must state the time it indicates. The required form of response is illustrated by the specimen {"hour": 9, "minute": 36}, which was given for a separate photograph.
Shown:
{"hour": 12, "minute": 25}
